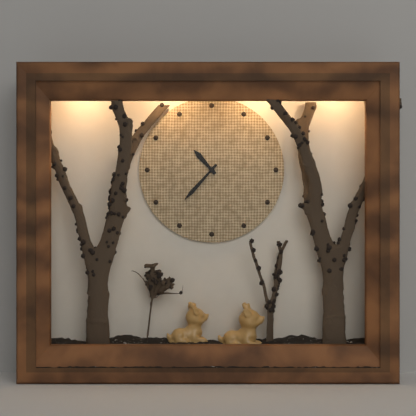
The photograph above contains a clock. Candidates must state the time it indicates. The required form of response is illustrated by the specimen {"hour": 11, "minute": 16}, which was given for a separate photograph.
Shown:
{"hour": 10, "minute": 37}
